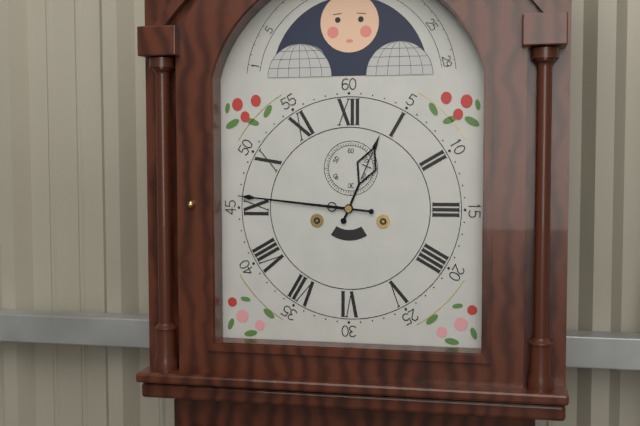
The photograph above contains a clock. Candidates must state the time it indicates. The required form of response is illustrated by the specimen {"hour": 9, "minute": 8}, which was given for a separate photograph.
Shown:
{"hour": 12, "minute": 46}
